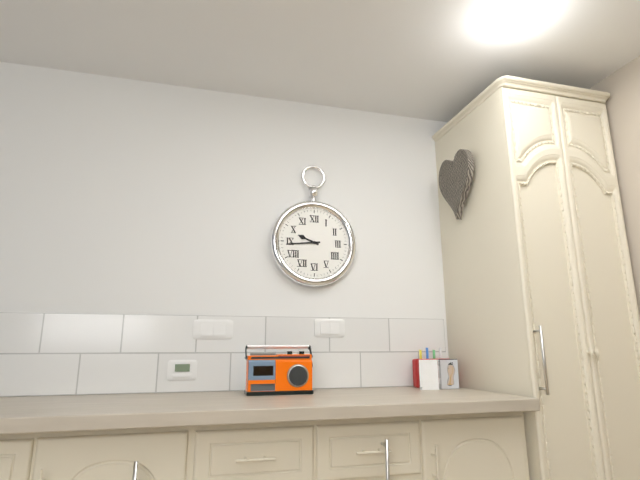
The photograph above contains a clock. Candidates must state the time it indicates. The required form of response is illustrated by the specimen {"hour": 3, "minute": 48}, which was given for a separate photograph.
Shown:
{"hour": 9, "minute": 44}
